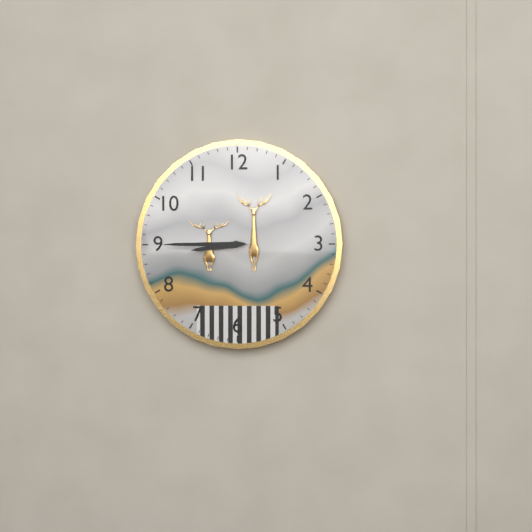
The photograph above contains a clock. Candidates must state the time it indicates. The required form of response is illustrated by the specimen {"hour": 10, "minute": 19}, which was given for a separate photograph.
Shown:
{"hour": 8, "minute": 45}
